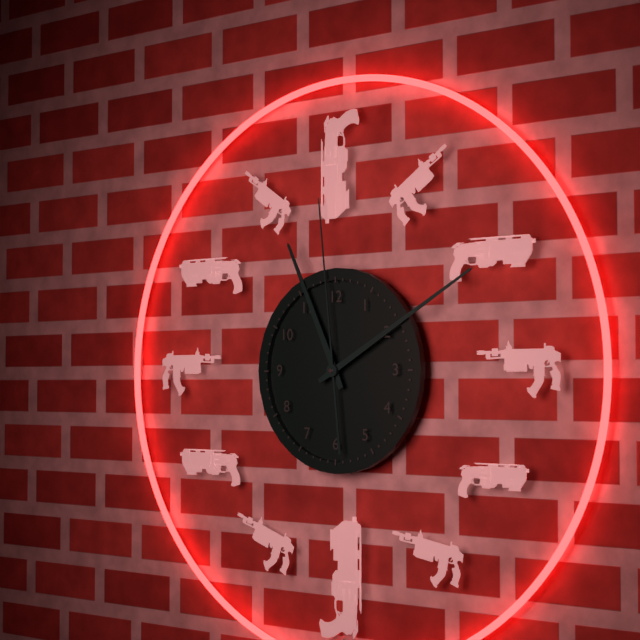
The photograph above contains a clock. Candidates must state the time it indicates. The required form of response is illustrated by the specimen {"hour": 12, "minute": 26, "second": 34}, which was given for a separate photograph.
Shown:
{"hour": 11, "minute": 10, "second": 59}
